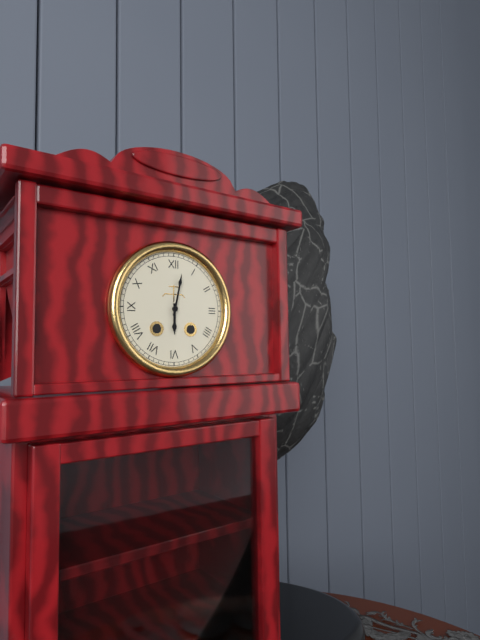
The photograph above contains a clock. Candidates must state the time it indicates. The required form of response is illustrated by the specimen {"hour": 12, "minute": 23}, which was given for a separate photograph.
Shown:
{"hour": 6, "minute": 2}
